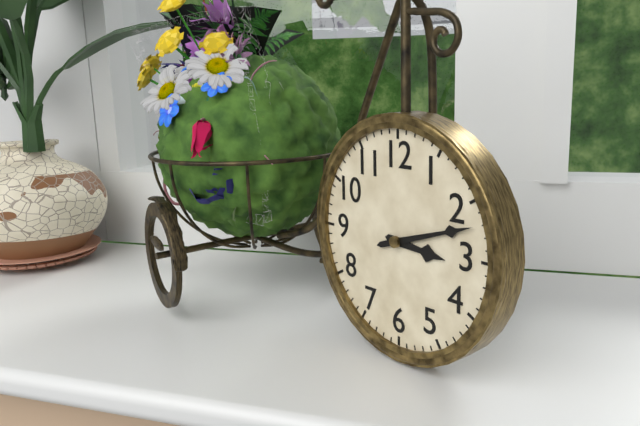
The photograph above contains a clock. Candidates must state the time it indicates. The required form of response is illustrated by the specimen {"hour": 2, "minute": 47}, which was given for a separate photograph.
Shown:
{"hour": 3, "minute": 12}
